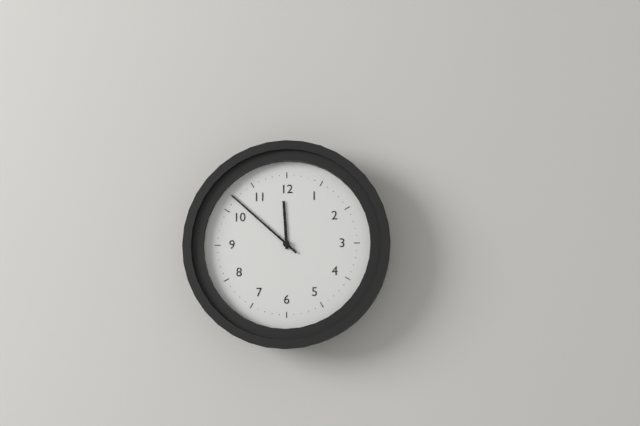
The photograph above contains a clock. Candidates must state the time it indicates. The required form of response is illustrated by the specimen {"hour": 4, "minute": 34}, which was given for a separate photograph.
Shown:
{"hour": 11, "minute": 52}
